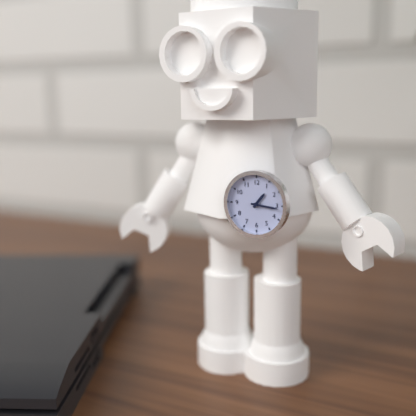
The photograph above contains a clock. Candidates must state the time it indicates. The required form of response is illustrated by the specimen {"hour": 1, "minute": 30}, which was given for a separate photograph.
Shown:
{"hour": 1, "minute": 16}
